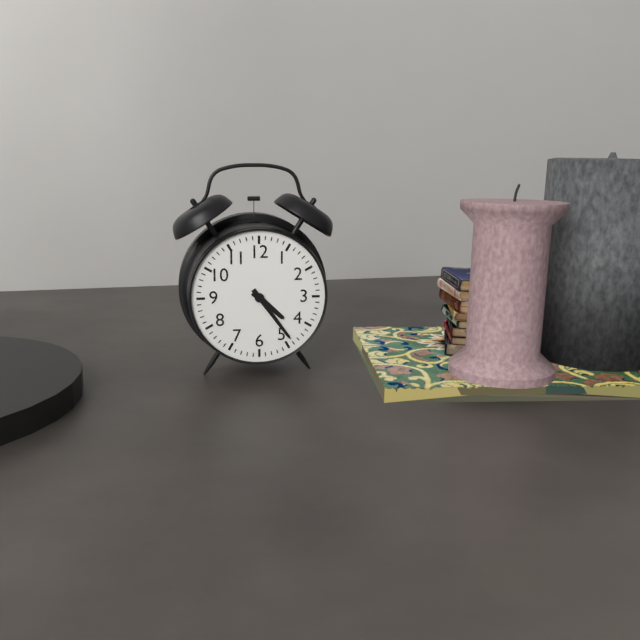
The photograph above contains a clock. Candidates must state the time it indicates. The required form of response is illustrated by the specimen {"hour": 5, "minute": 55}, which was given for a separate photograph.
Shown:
{"hour": 4, "minute": 24}
